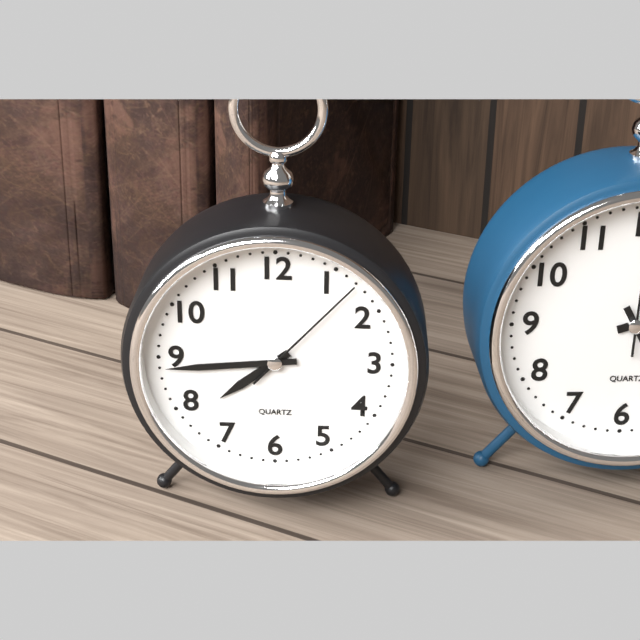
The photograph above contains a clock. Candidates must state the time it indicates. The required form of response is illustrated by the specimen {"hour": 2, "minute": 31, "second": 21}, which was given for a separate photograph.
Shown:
{"hour": 7, "minute": 44, "second": 7}
